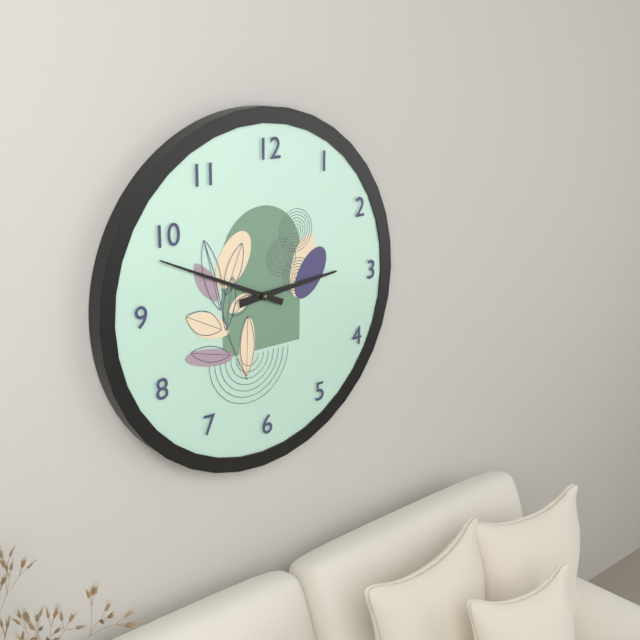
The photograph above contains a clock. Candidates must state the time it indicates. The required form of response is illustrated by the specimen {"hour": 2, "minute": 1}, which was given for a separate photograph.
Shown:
{"hour": 2, "minute": 49}
